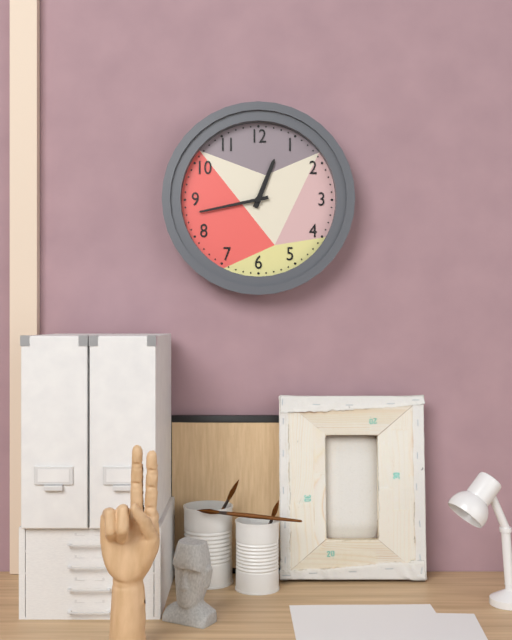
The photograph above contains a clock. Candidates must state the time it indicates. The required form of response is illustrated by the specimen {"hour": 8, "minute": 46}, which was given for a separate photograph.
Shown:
{"hour": 12, "minute": 43}
